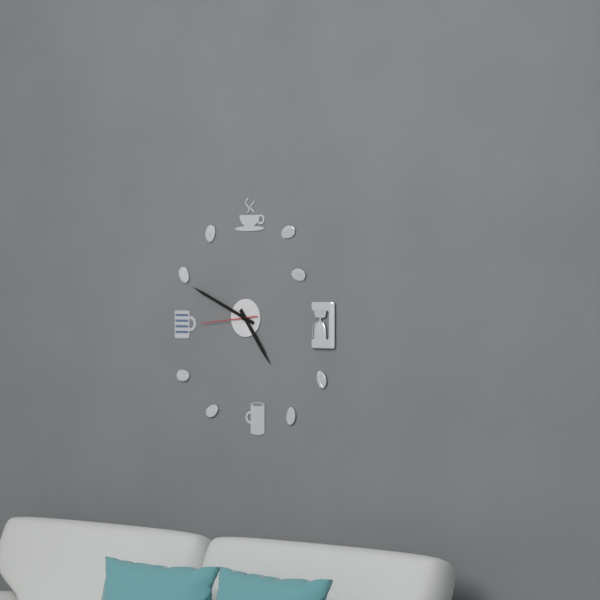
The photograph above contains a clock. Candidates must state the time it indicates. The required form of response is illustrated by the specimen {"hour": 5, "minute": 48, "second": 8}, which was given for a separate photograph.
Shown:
{"hour": 4, "minute": 49, "second": 44}
